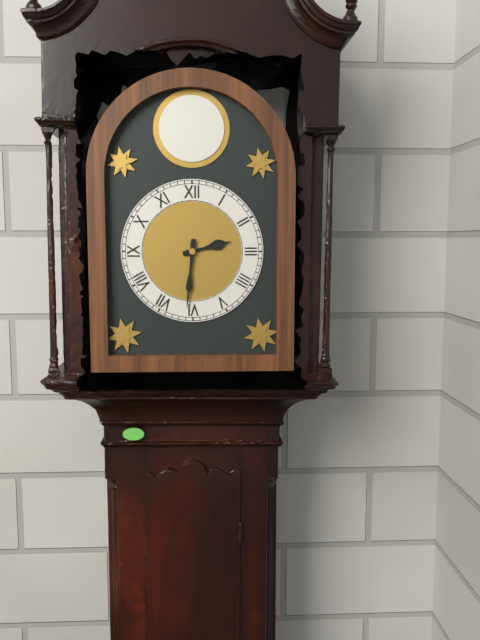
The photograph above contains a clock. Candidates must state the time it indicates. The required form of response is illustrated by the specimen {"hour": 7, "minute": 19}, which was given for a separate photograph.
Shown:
{"hour": 2, "minute": 31}
